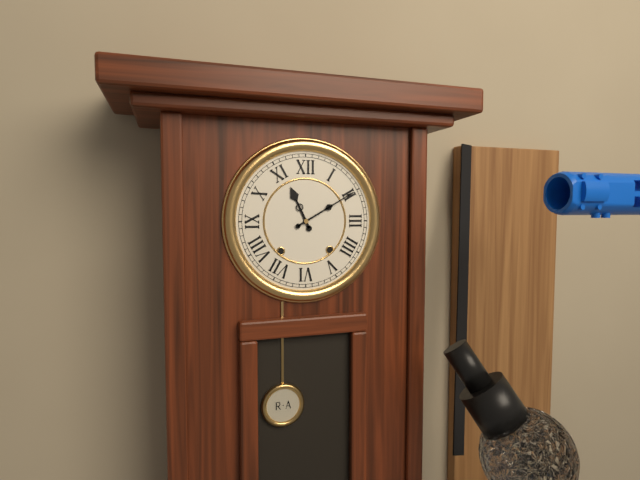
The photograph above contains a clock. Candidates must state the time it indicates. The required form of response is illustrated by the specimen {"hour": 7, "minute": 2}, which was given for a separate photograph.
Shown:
{"hour": 11, "minute": 10}
